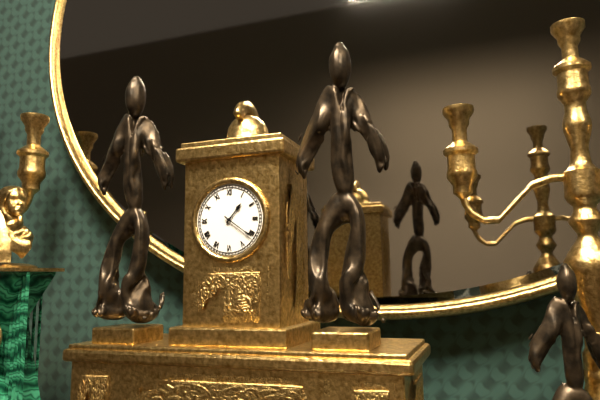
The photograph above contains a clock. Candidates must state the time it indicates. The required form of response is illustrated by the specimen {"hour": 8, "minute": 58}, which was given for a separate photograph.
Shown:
{"hour": 1, "minute": 21}
